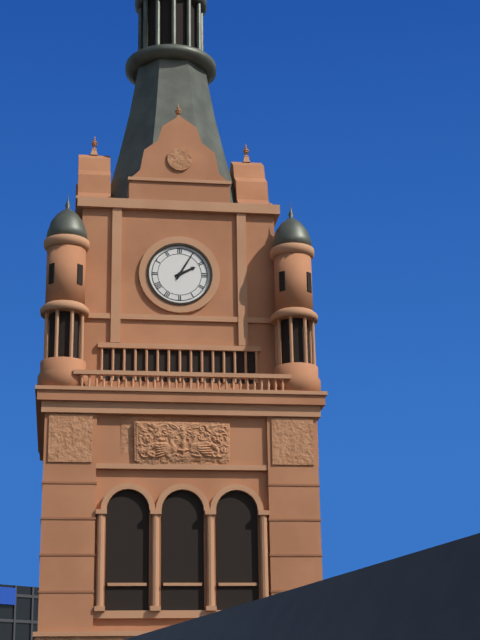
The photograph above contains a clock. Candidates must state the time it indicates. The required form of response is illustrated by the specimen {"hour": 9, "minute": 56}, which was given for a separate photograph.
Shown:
{"hour": 2, "minute": 5}
